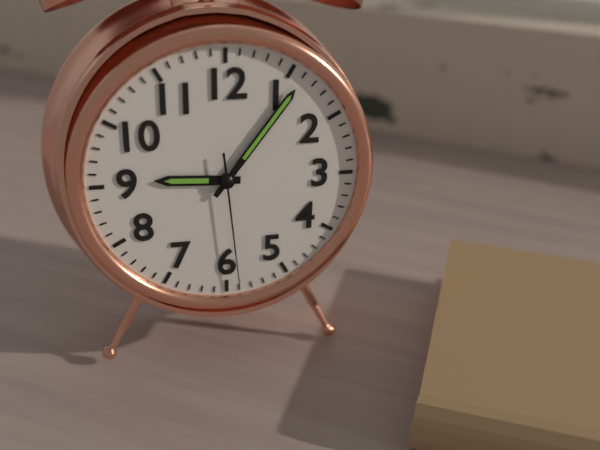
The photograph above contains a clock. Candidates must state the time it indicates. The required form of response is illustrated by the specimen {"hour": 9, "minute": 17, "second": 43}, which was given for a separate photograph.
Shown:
{"hour": 9, "minute": 6, "second": 29}
